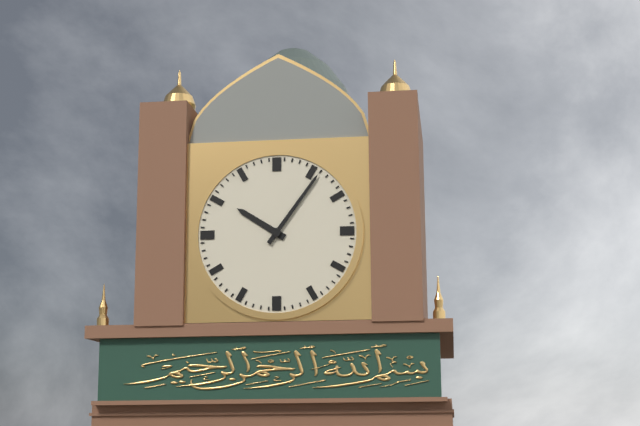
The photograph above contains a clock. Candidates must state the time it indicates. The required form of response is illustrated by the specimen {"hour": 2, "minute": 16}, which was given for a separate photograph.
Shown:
{"hour": 10, "minute": 6}
